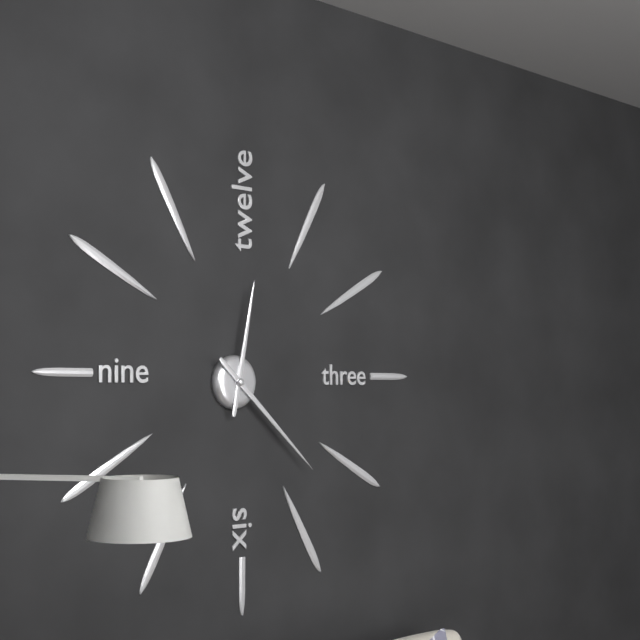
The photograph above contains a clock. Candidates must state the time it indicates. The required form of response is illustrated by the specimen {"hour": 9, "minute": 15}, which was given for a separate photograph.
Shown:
{"hour": 12, "minute": 22}
